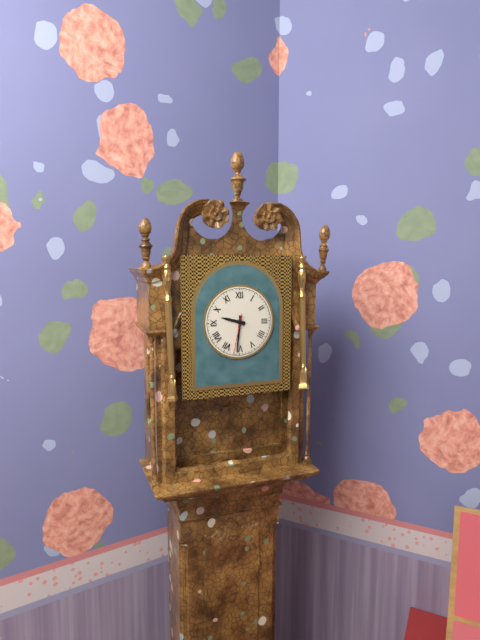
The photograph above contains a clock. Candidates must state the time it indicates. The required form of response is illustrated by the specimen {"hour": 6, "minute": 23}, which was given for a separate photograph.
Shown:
{"hour": 9, "minute": 31}
